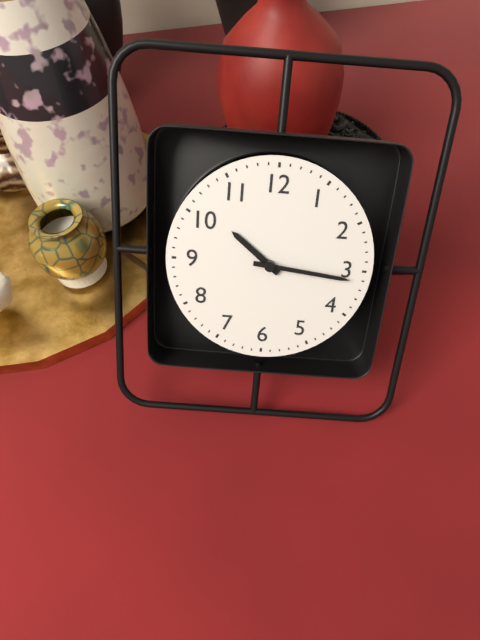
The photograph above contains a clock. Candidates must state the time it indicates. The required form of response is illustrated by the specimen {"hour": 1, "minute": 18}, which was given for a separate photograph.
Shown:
{"hour": 10, "minute": 16}
